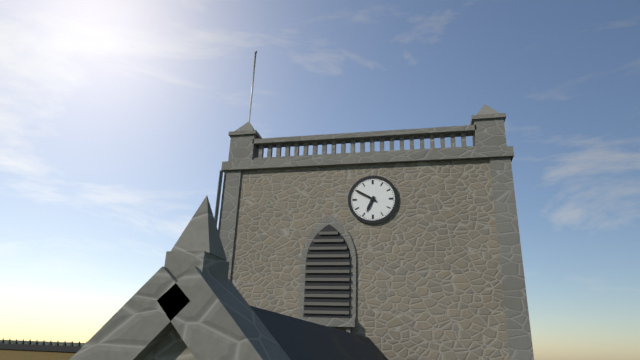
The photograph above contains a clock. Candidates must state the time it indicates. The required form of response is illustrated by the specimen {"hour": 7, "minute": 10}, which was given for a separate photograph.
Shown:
{"hour": 6, "minute": 50}
